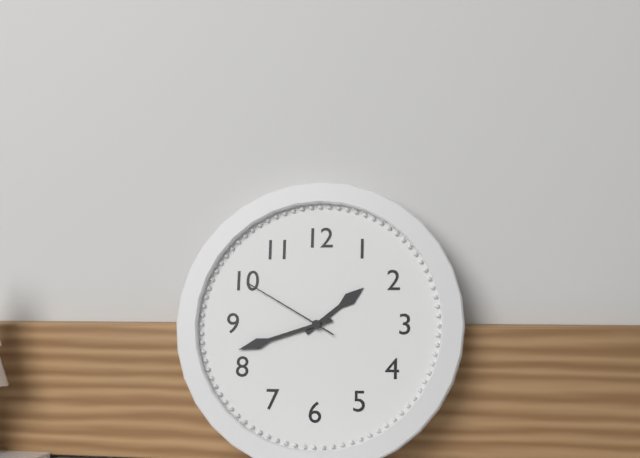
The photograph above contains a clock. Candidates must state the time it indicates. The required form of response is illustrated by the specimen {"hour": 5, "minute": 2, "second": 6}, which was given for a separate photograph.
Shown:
{"hour": 1, "minute": 42, "second": 50}
